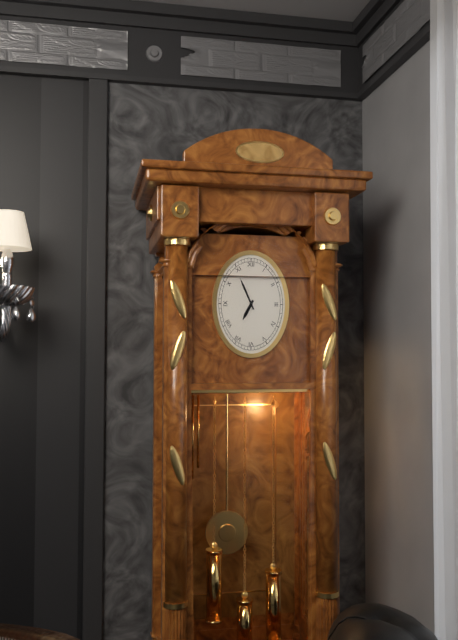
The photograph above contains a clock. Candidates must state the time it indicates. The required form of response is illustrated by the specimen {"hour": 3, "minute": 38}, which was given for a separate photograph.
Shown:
{"hour": 6, "minute": 56}
